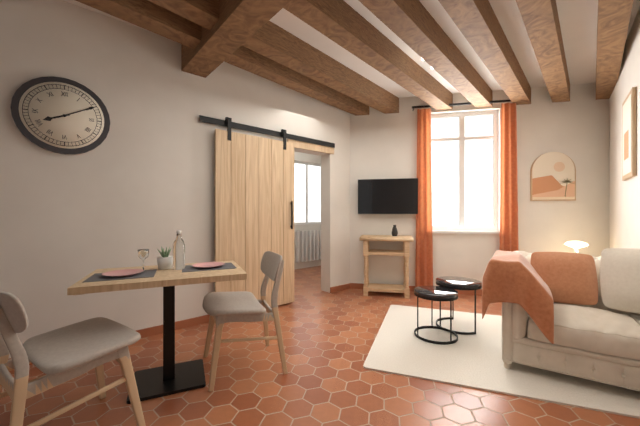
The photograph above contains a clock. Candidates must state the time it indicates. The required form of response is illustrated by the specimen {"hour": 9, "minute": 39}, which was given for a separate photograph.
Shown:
{"hour": 8, "minute": 10}
